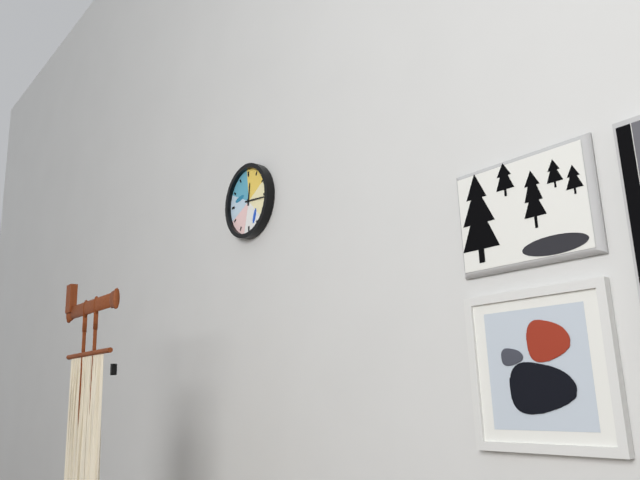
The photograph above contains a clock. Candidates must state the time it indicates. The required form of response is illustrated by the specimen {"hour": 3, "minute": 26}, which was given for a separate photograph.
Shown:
{"hour": 12, "minute": 16}
